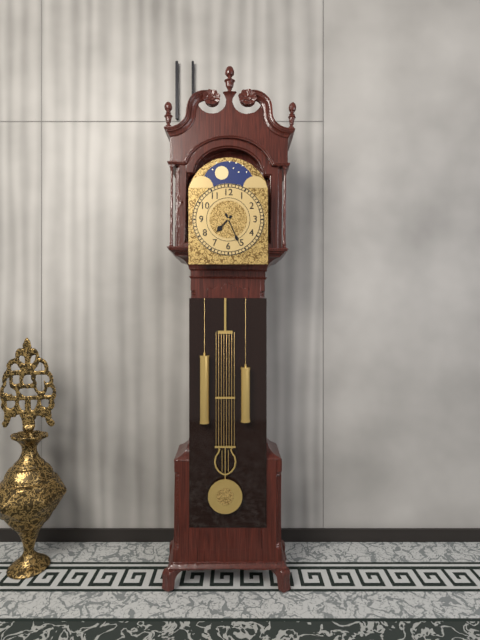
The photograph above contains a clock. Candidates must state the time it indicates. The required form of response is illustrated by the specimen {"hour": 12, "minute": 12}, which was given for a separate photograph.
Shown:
{"hour": 7, "minute": 26}
